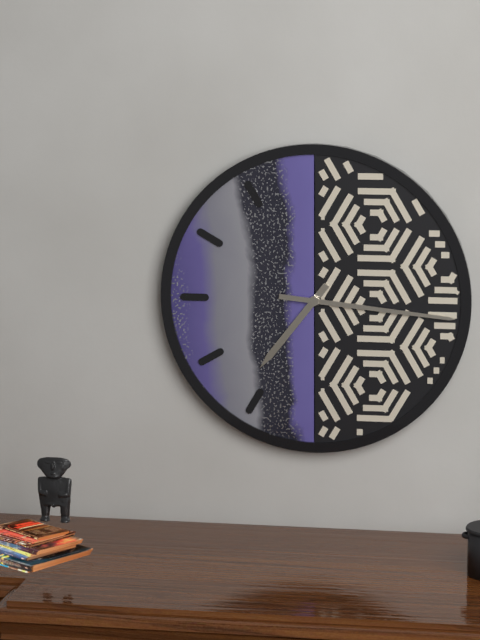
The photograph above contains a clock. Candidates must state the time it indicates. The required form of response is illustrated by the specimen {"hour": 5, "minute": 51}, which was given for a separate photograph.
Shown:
{"hour": 7, "minute": 16}
